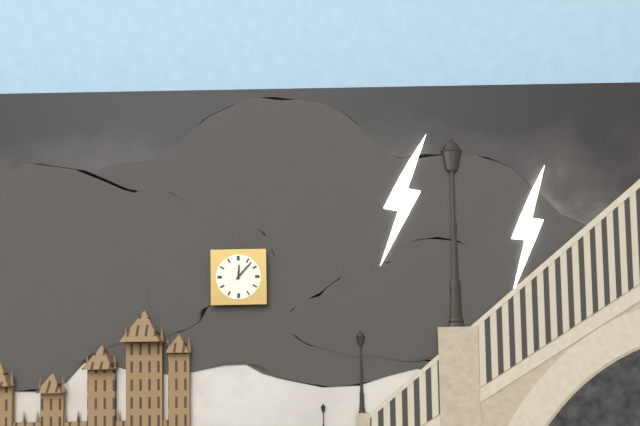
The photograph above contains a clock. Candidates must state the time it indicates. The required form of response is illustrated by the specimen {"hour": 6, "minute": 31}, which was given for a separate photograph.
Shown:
{"hour": 12, "minute": 7}
